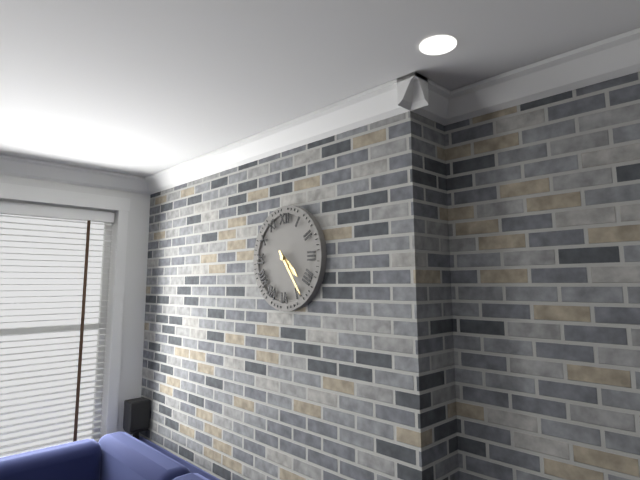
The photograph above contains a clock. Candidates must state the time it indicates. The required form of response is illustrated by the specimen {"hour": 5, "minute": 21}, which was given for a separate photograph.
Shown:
{"hour": 4, "minute": 24}
